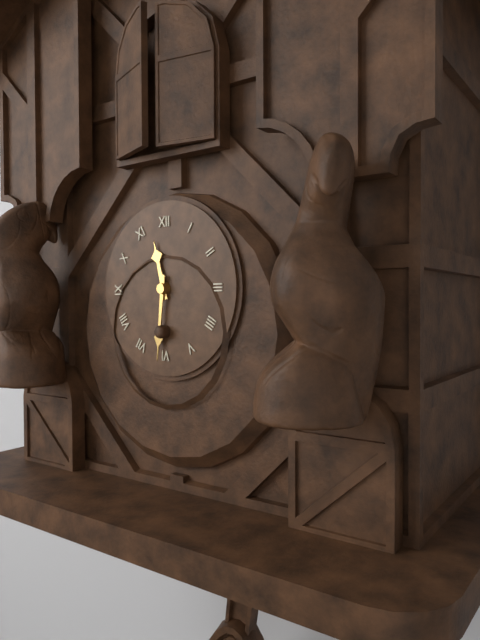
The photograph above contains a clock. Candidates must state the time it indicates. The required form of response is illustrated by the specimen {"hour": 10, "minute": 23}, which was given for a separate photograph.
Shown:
{"hour": 11, "minute": 31}
